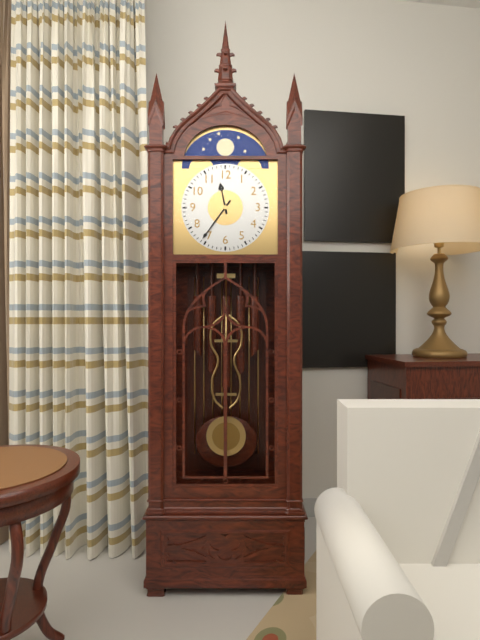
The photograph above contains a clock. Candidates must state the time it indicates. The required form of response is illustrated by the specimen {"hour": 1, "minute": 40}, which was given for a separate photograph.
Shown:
{"hour": 11, "minute": 36}
